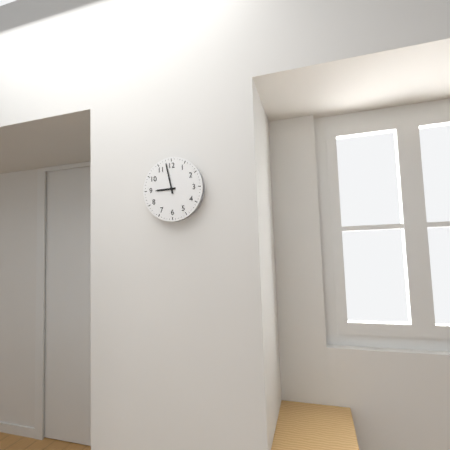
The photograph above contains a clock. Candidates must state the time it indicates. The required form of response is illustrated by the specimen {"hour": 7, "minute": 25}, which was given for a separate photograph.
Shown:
{"hour": 8, "minute": 58}
